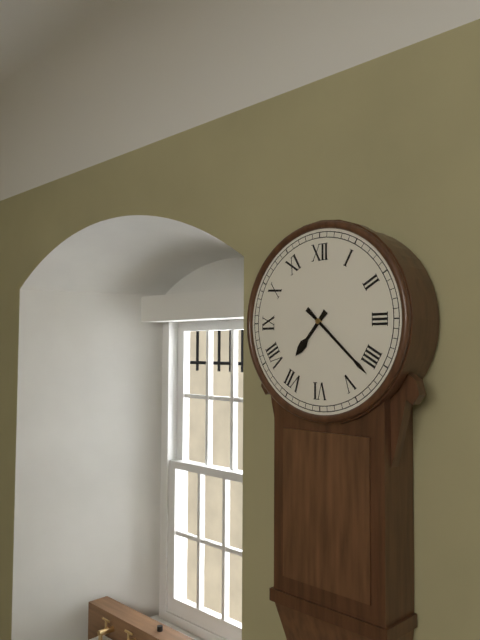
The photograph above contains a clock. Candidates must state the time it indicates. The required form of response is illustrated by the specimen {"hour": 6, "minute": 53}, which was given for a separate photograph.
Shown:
{"hour": 7, "minute": 22}
